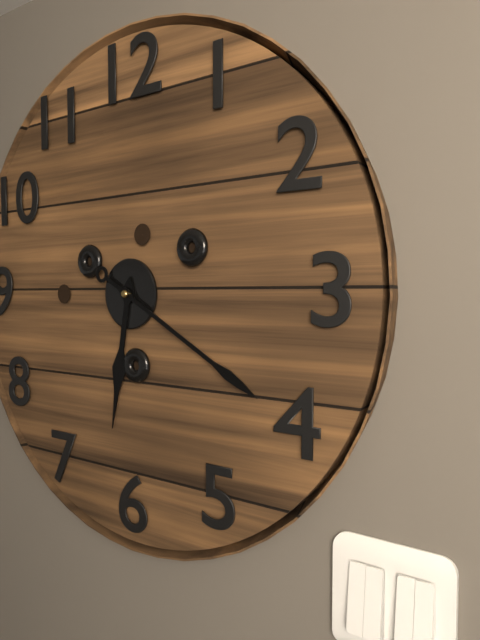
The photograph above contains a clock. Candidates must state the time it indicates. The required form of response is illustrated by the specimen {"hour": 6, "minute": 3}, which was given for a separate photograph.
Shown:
{"hour": 6, "minute": 20}
